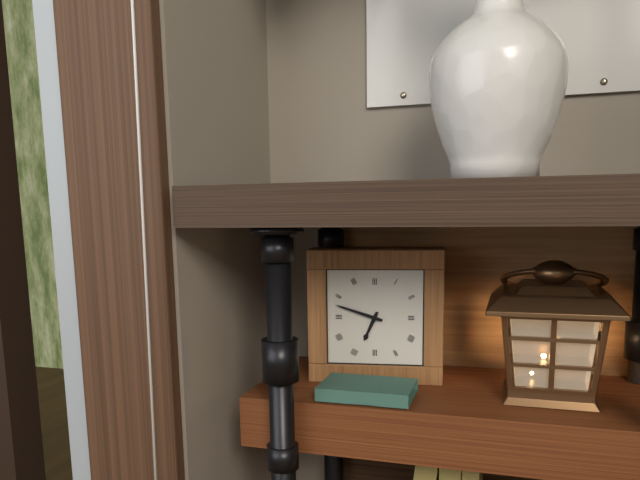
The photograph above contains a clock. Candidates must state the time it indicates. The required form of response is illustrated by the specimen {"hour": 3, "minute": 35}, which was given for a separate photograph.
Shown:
{"hour": 6, "minute": 48}
